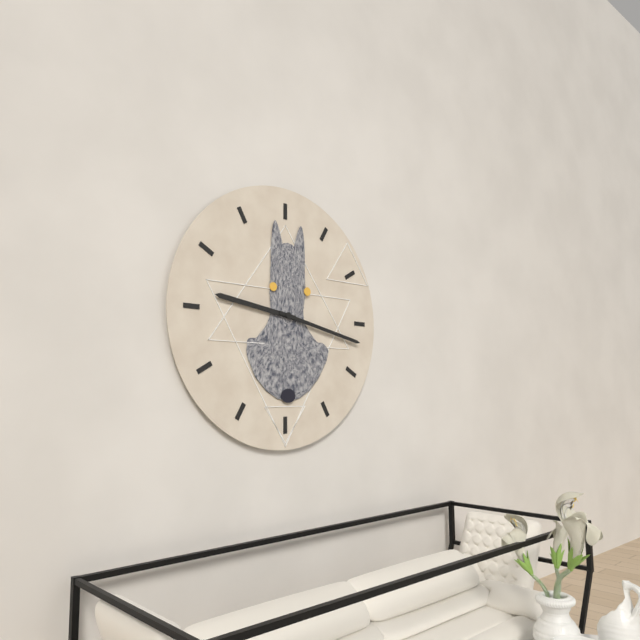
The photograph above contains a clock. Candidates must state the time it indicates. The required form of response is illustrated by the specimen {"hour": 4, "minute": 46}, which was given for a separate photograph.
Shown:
{"hour": 9, "minute": 17}
